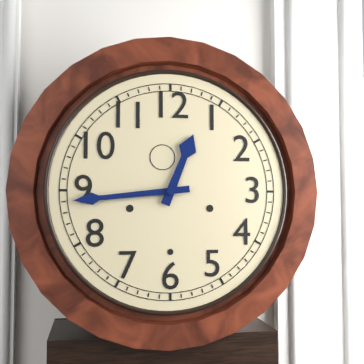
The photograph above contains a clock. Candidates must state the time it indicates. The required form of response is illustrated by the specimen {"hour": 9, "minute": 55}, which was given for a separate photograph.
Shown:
{"hour": 12, "minute": 44}
